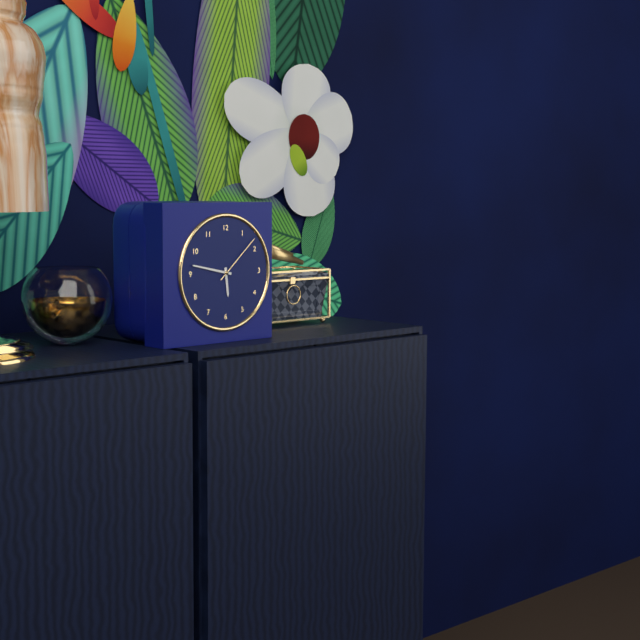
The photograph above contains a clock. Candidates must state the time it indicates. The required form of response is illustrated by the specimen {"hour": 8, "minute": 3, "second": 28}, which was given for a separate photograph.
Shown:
{"hour": 5, "minute": 47, "second": 8}
